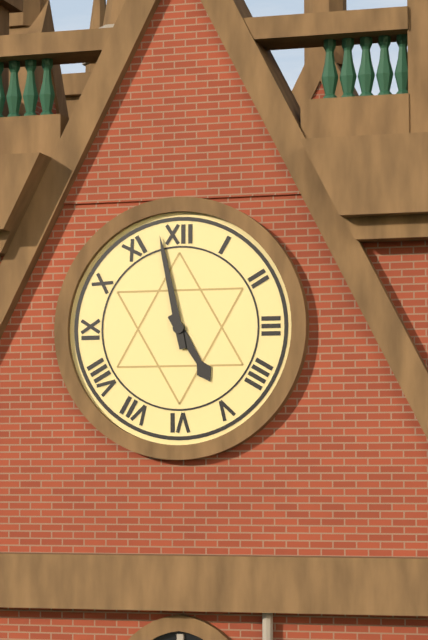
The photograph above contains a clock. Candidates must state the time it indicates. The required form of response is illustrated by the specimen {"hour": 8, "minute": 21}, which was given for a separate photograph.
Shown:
{"hour": 4, "minute": 58}
